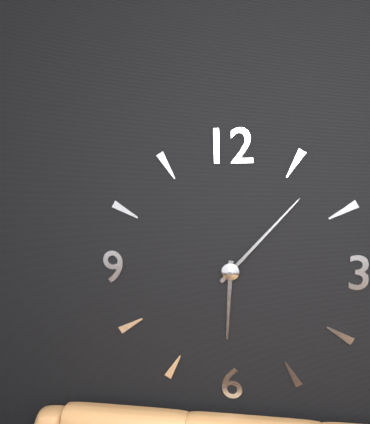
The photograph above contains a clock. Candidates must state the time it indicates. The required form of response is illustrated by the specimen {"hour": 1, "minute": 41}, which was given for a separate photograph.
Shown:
{"hour": 6, "minute": 7}
